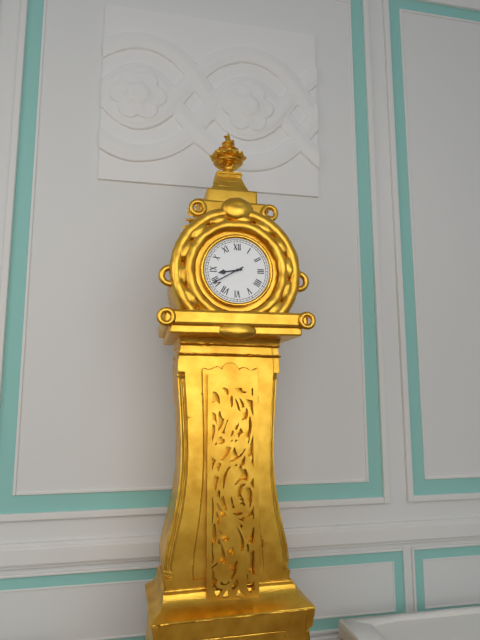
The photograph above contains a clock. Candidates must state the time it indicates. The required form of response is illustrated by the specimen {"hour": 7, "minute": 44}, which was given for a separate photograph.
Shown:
{"hour": 8, "minute": 40}
